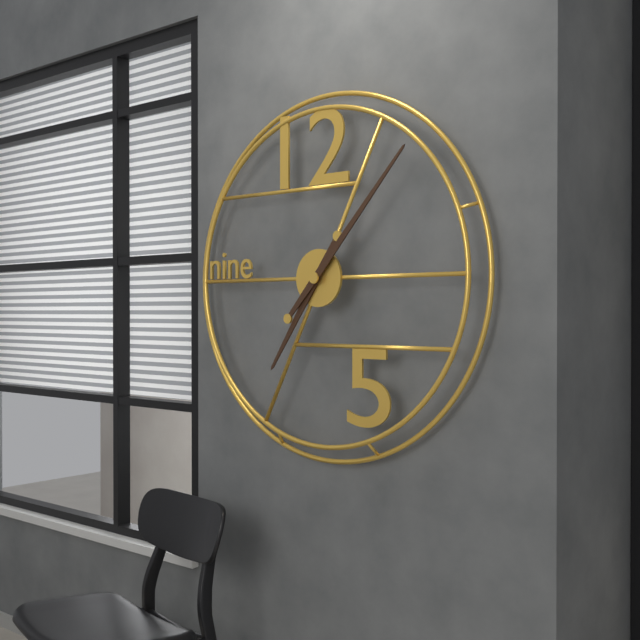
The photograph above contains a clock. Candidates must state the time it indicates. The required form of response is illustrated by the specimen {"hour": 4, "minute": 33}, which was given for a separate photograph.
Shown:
{"hour": 7, "minute": 7}
